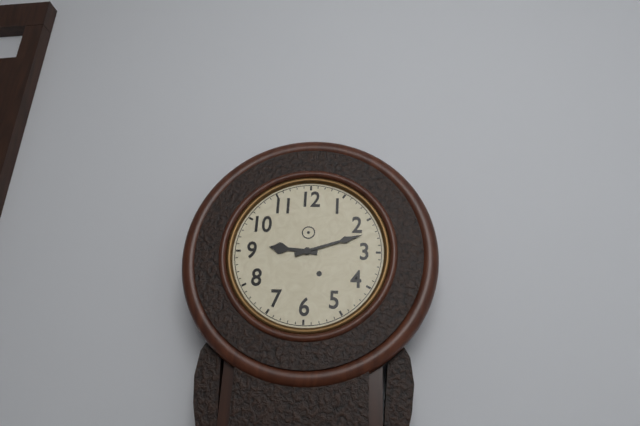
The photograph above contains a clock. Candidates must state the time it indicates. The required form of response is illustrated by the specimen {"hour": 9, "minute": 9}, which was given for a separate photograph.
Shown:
{"hour": 9, "minute": 12}
